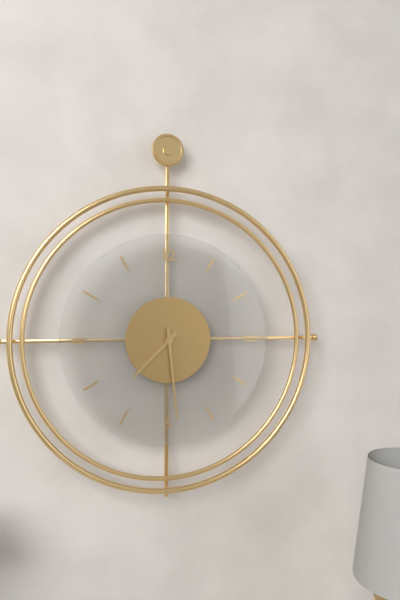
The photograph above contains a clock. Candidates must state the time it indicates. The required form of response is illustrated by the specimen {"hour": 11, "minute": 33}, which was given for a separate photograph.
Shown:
{"hour": 7, "minute": 29}
